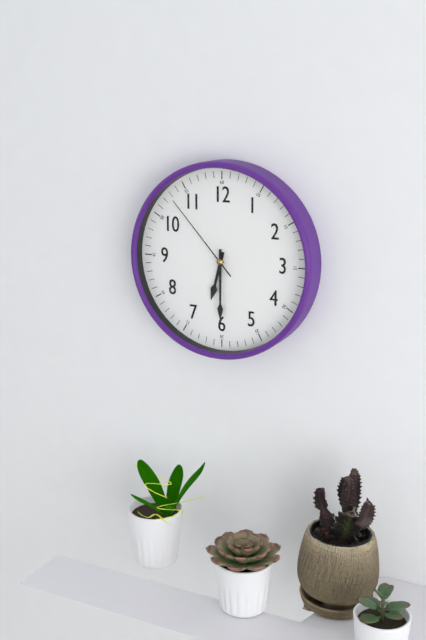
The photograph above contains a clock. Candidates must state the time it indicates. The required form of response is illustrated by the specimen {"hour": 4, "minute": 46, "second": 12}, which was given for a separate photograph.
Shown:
{"hour": 6, "minute": 30, "second": 53}
